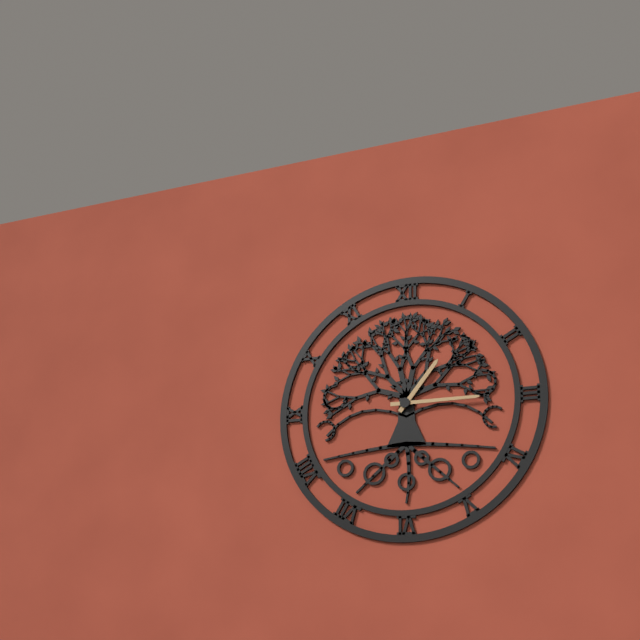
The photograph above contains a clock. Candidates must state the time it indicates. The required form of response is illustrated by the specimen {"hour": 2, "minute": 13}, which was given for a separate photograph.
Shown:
{"hour": 1, "minute": 15}
